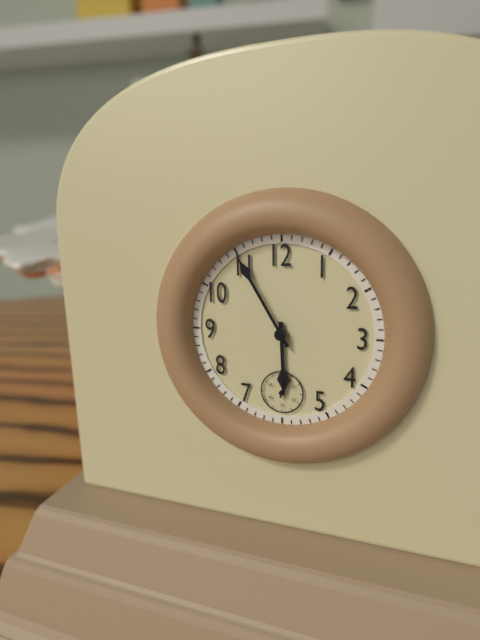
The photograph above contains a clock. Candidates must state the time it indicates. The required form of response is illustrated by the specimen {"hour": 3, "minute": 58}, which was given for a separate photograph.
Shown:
{"hour": 5, "minute": 55}
